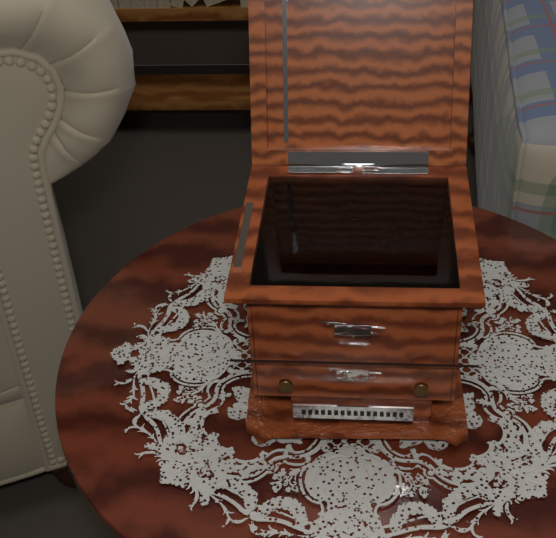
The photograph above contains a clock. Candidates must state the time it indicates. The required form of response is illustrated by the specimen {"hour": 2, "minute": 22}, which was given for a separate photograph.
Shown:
{"hour": 8, "minute": 17}
